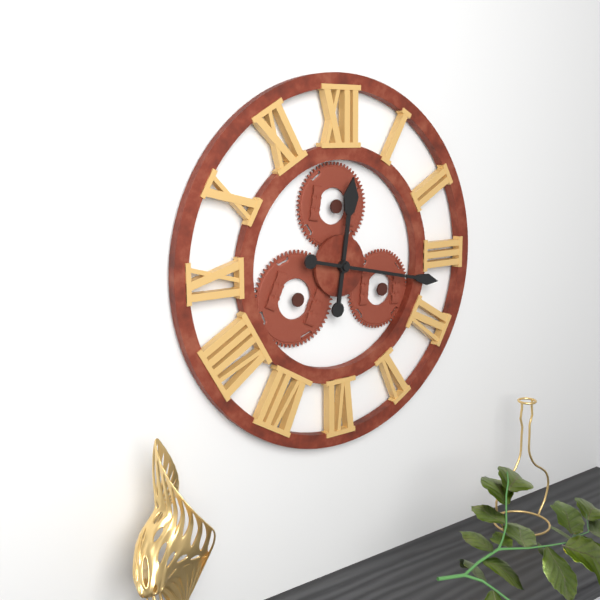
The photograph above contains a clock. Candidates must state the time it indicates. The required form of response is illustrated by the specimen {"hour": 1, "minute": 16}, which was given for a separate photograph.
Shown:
{"hour": 12, "minute": 17}
